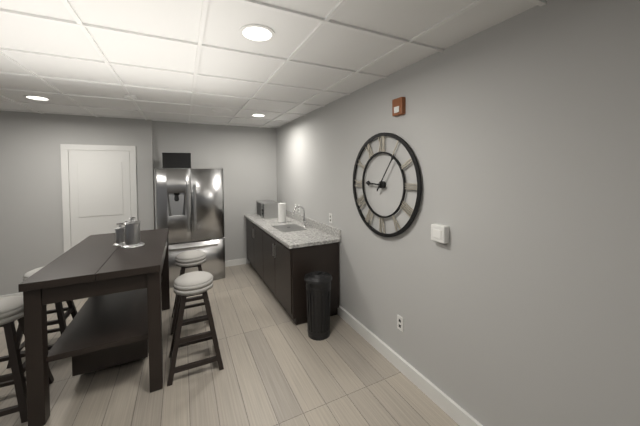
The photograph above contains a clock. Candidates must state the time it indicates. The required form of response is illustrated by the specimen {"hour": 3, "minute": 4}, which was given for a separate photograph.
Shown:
{"hour": 9, "minute": 6}
